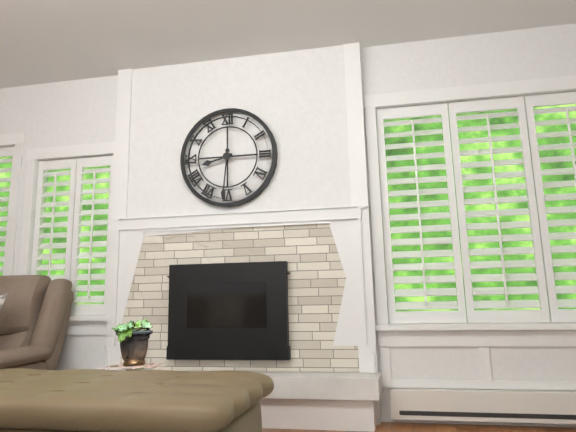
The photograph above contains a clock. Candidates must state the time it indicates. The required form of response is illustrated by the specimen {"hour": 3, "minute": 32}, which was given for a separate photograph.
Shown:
{"hour": 8, "minute": 31}
